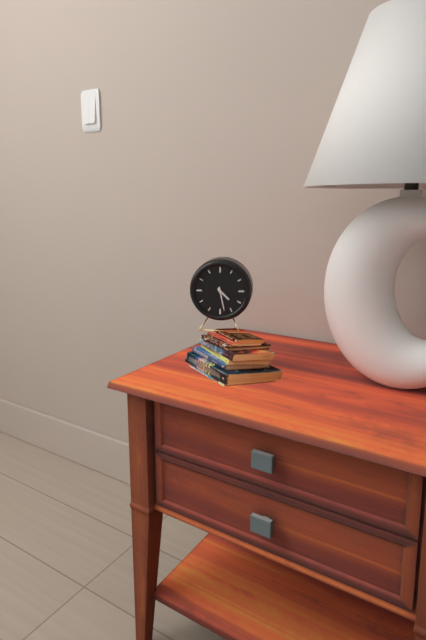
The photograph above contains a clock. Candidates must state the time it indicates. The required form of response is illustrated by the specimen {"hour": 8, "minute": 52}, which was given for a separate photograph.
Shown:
{"hour": 4, "minute": 28}
